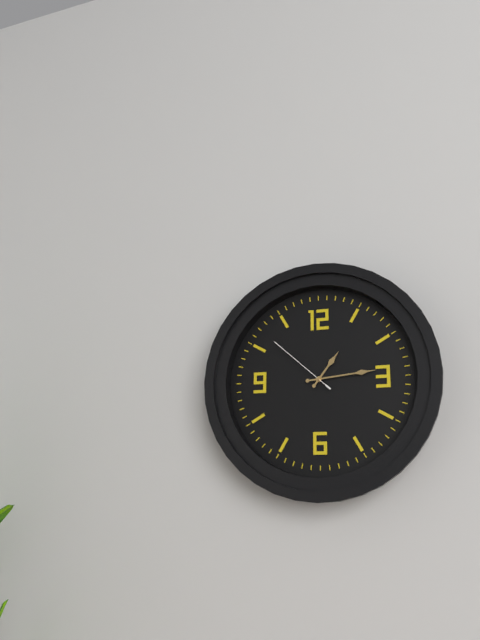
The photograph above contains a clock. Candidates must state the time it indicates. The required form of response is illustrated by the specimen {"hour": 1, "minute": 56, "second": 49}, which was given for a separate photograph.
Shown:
{"hour": 1, "minute": 14, "second": 52}
